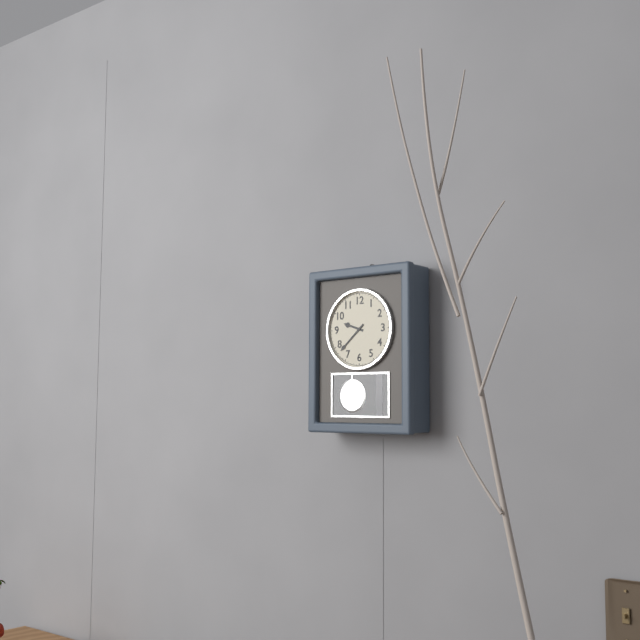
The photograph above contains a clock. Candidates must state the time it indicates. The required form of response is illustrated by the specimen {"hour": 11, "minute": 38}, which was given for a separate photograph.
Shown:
{"hour": 9, "minute": 38}
